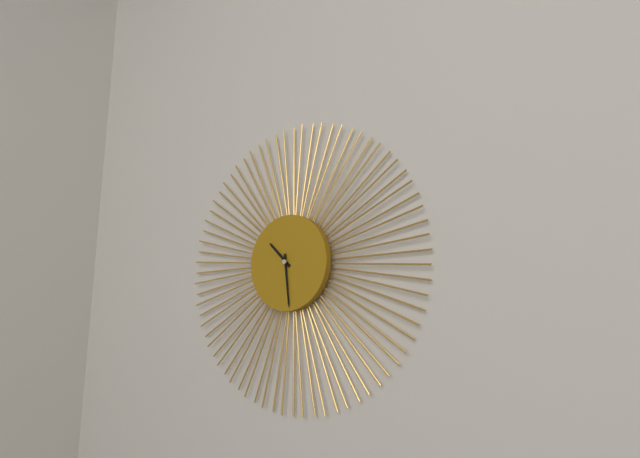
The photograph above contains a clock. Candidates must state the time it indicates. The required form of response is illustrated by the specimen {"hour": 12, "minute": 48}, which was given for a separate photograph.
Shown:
{"hour": 10, "minute": 29}
